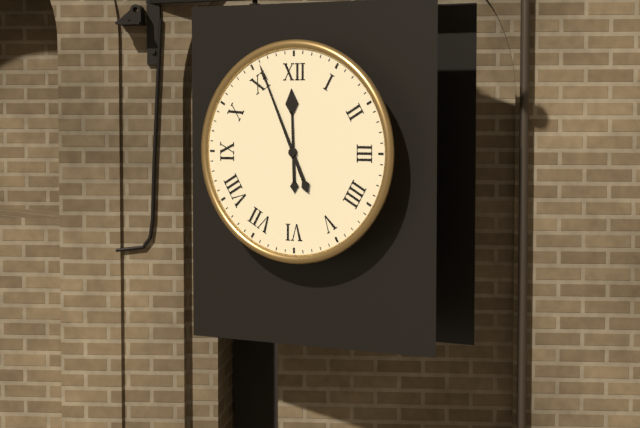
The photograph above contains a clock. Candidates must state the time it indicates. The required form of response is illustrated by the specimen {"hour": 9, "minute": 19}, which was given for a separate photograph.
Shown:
{"hour": 11, "minute": 56}
